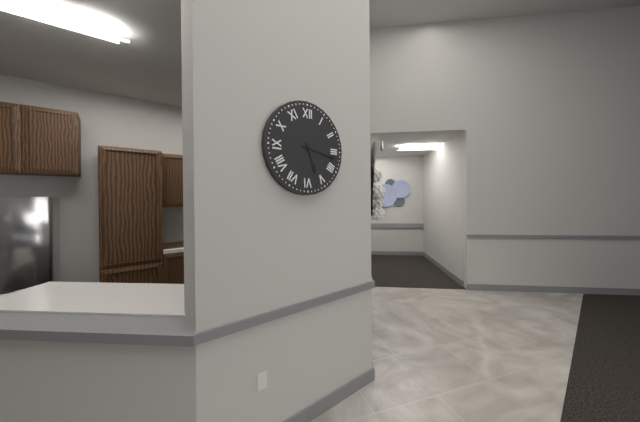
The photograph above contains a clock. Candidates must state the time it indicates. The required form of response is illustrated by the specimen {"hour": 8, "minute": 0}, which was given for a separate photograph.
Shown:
{"hour": 5, "minute": 17}
